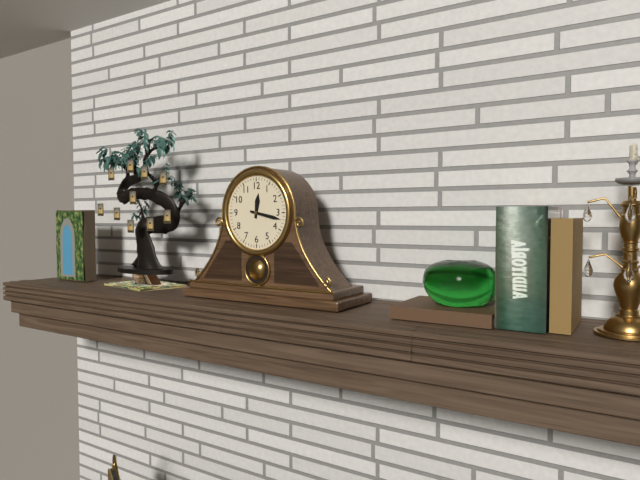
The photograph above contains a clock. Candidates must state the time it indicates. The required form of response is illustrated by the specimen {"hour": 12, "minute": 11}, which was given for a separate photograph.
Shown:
{"hour": 12, "minute": 17}
